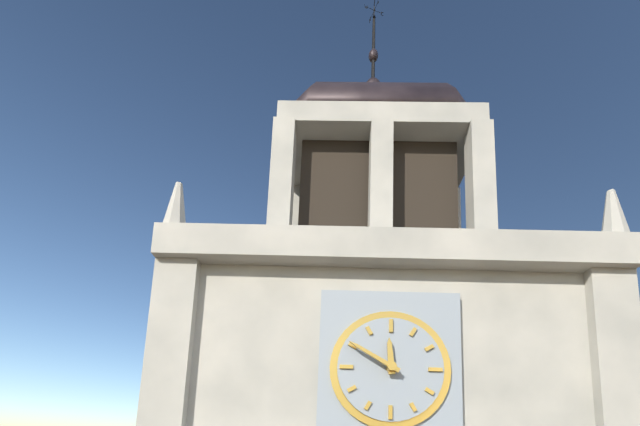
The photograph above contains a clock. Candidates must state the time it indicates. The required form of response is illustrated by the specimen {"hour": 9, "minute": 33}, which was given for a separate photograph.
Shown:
{"hour": 11, "minute": 50}
